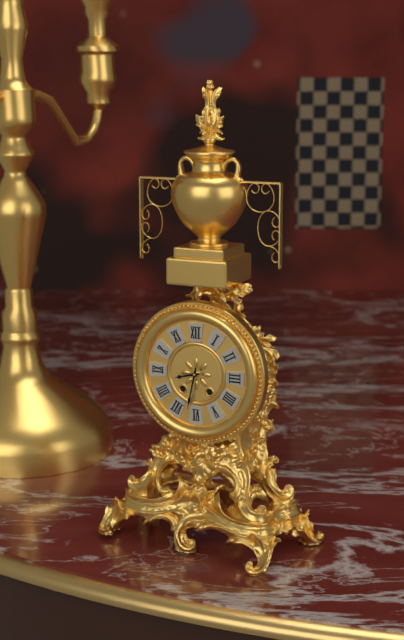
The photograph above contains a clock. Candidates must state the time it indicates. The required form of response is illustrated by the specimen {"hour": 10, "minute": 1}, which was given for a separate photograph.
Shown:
{"hour": 8, "minute": 32}
